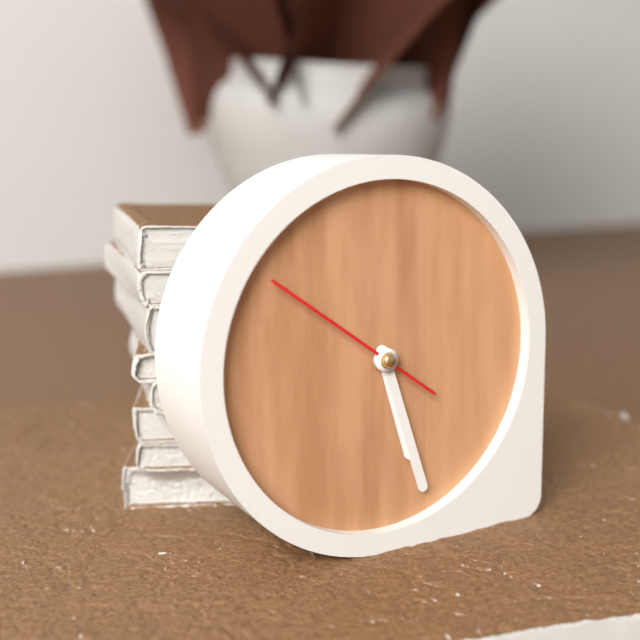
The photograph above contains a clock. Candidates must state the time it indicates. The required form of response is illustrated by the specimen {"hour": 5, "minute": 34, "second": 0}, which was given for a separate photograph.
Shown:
{"hour": 5, "minute": 27, "second": 51}
